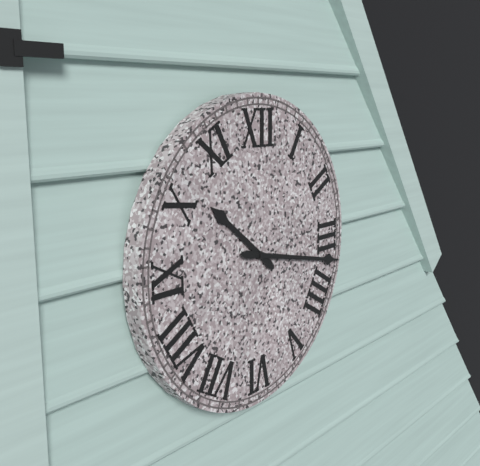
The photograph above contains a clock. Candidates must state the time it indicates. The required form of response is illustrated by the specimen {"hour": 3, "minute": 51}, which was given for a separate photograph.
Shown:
{"hour": 10, "minute": 17}
